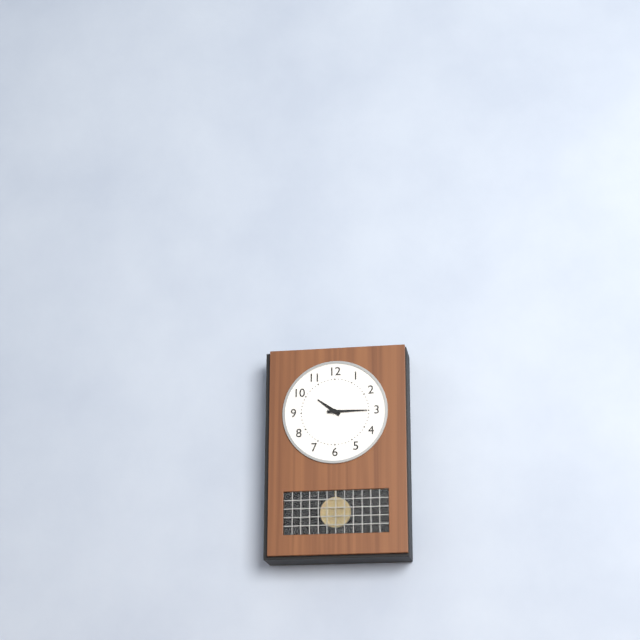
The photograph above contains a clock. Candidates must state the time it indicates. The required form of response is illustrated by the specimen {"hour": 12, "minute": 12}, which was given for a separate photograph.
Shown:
{"hour": 10, "minute": 15}
